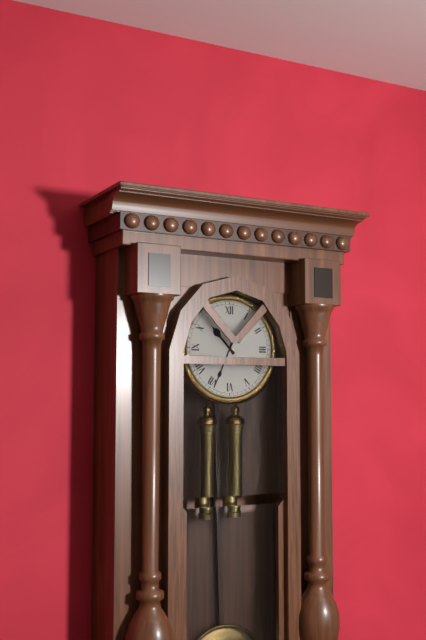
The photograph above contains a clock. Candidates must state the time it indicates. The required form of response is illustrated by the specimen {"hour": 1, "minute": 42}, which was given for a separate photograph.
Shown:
{"hour": 10, "minute": 34}
